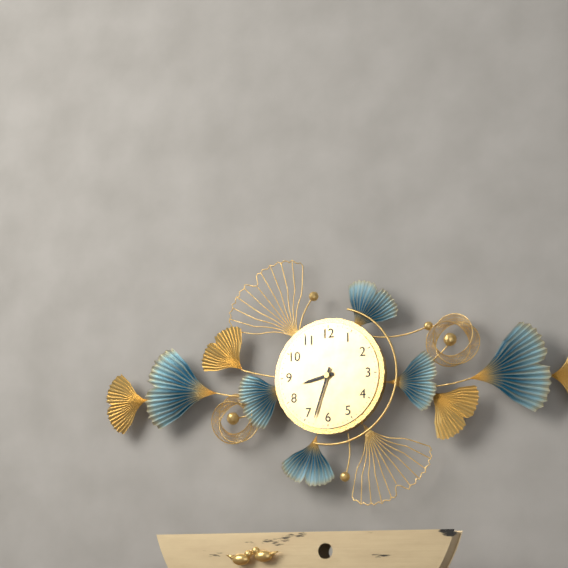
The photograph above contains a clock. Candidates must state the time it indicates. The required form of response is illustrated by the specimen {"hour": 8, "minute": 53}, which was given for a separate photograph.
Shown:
{"hour": 8, "minute": 33}
